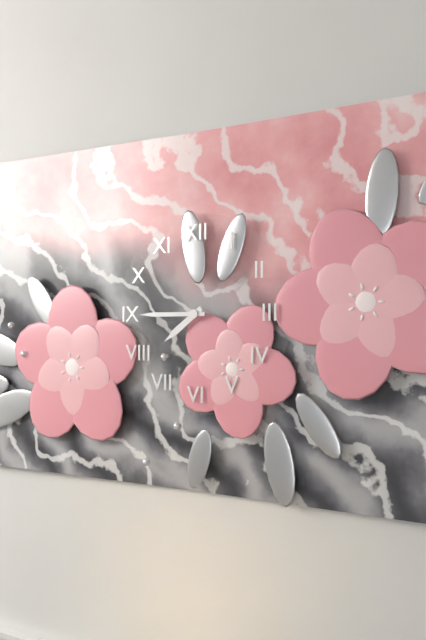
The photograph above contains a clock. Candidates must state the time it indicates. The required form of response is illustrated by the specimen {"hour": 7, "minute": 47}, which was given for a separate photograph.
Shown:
{"hour": 7, "minute": 45}
